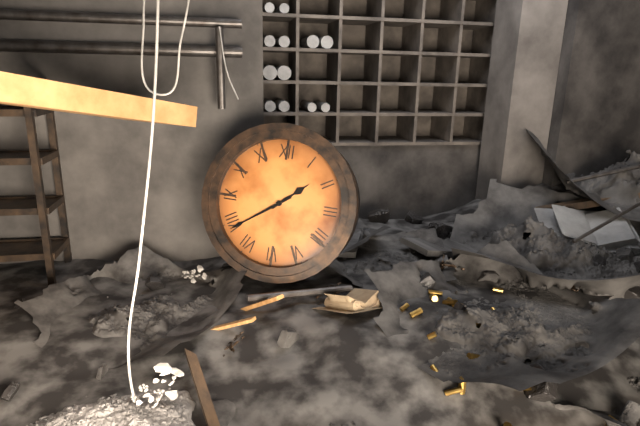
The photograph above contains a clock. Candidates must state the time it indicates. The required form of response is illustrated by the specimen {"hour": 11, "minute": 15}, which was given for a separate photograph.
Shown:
{"hour": 1, "minute": 39}
